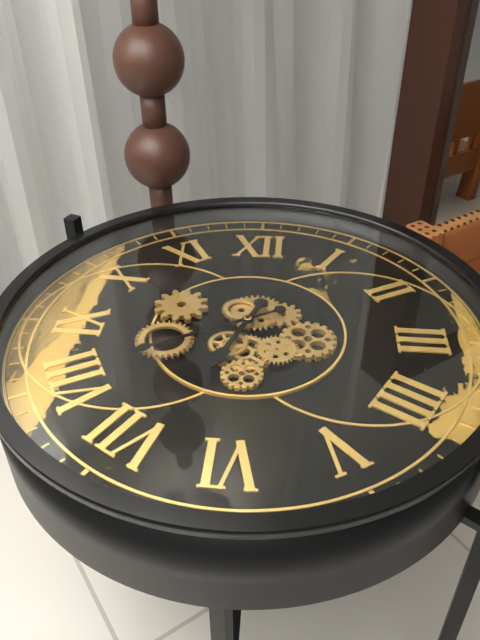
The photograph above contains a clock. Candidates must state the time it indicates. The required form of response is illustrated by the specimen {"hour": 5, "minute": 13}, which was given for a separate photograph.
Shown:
{"hour": 6, "minute": 40}
